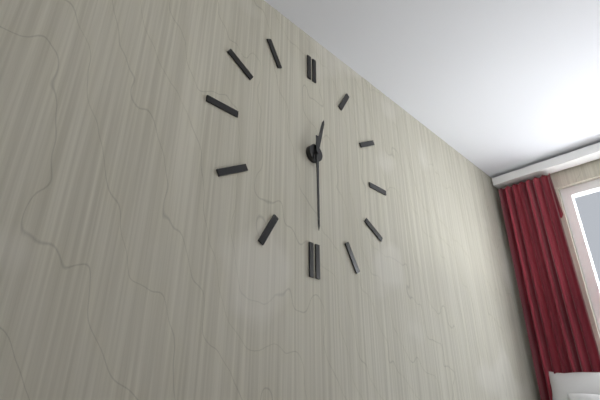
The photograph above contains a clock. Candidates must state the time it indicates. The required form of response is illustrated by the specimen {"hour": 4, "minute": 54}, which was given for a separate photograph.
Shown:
{"hour": 12, "minute": 30}
